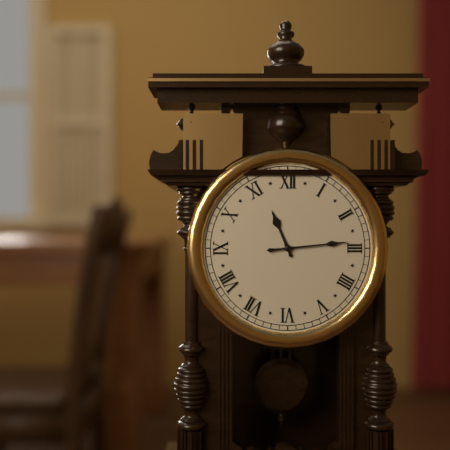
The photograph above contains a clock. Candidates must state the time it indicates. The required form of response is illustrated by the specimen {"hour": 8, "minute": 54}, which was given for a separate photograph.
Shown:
{"hour": 11, "minute": 14}
